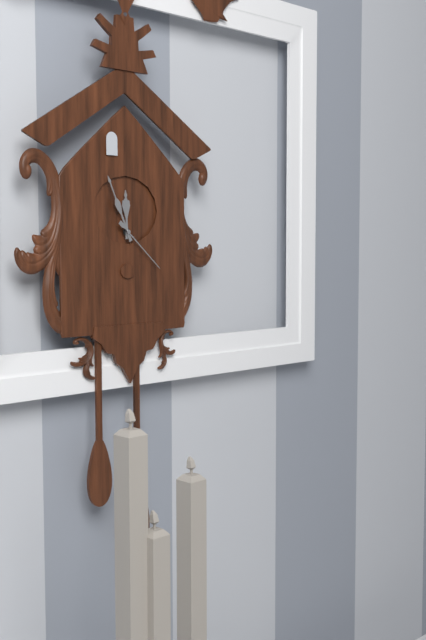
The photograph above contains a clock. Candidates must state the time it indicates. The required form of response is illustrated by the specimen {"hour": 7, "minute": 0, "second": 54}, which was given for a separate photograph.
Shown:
{"hour": 11, "minute": 56, "second": 22}
